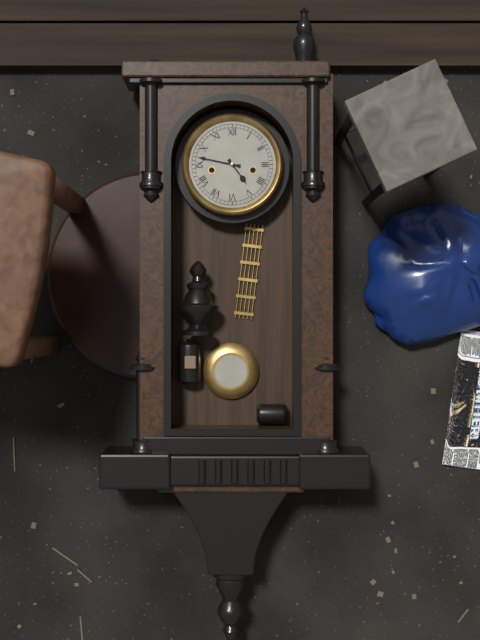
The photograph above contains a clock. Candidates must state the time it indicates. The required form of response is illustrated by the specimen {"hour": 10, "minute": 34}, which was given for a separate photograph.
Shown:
{"hour": 4, "minute": 47}
